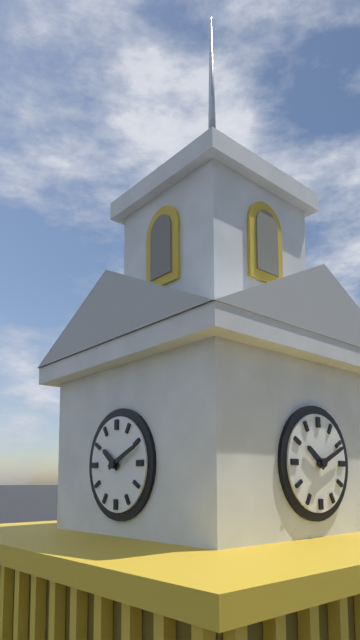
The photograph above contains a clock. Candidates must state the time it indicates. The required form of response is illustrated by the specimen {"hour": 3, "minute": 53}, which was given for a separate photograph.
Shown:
{"hour": 10, "minute": 11}
